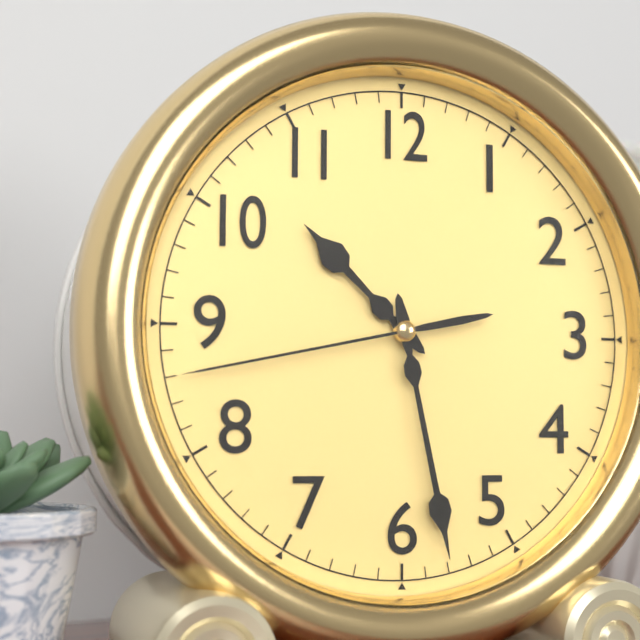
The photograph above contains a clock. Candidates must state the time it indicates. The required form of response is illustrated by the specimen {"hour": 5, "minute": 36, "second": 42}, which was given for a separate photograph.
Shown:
{"hour": 10, "minute": 28, "second": 43}
